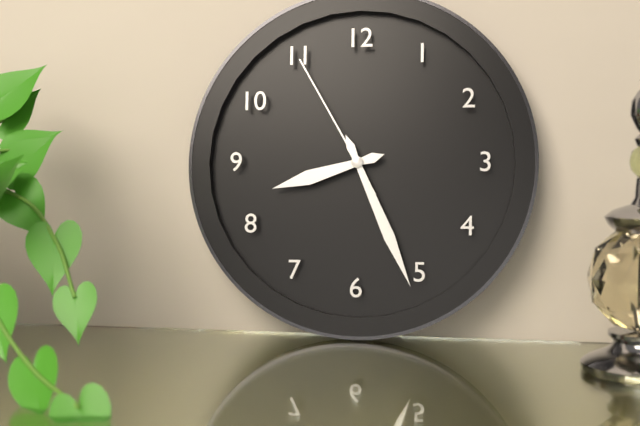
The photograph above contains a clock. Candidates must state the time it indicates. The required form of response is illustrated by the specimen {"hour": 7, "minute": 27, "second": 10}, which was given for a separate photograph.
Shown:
{"hour": 8, "minute": 26, "second": 55}
